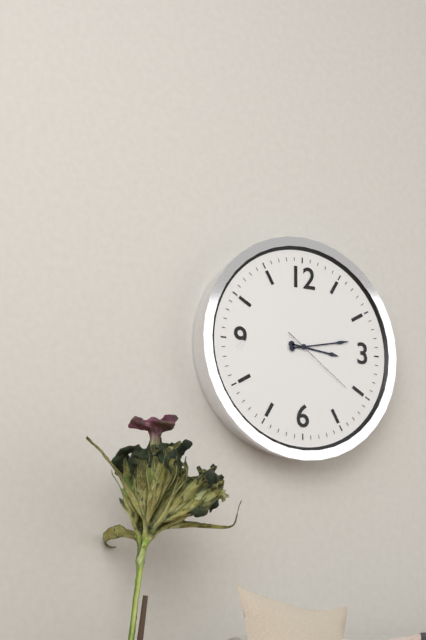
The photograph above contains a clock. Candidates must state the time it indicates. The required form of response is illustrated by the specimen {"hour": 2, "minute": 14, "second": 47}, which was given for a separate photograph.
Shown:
{"hour": 3, "minute": 13, "second": 21}
